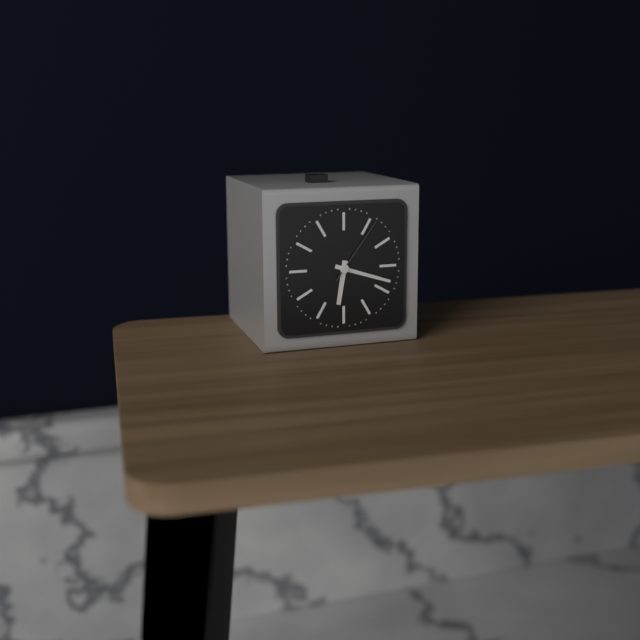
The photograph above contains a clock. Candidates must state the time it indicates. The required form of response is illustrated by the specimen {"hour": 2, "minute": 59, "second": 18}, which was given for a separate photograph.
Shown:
{"hour": 6, "minute": 18, "second": 6}
